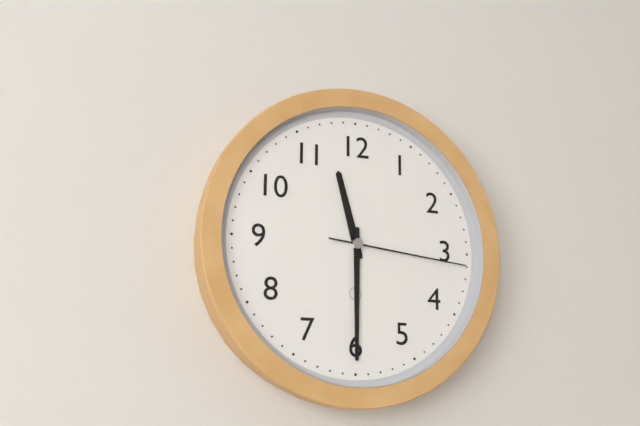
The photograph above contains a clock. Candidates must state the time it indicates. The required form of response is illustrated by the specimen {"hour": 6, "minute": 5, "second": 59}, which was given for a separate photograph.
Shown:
{"hour": 11, "minute": 30, "second": 16}
